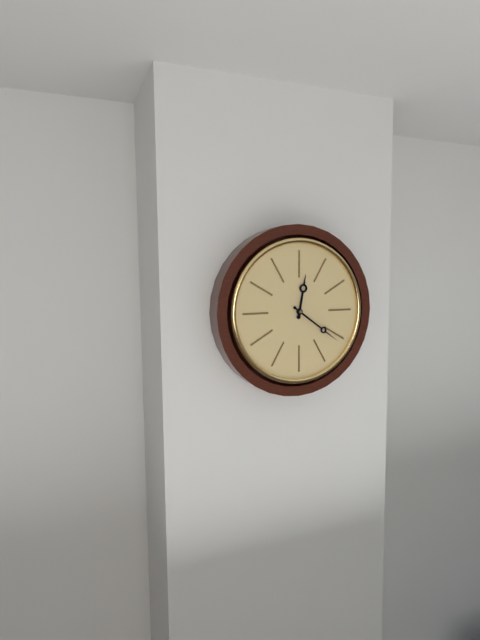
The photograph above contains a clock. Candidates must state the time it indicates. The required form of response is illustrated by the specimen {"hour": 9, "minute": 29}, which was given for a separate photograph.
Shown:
{"hour": 12, "minute": 21}
